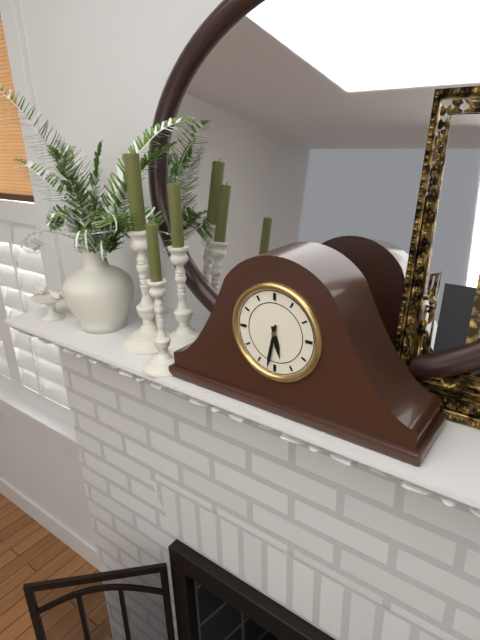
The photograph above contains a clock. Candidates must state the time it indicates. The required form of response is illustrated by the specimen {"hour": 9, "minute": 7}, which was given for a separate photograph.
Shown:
{"hour": 5, "minute": 32}
